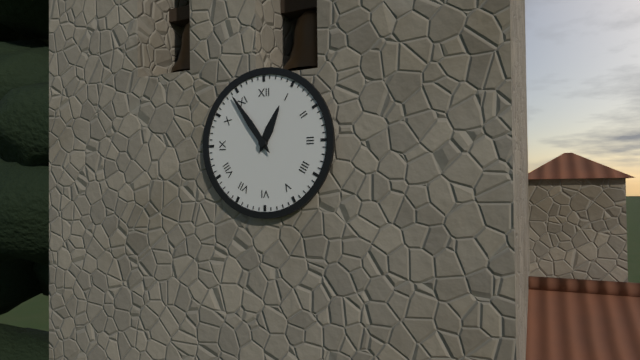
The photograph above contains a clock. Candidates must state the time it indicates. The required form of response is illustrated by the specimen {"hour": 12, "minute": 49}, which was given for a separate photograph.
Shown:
{"hour": 12, "minute": 54}
